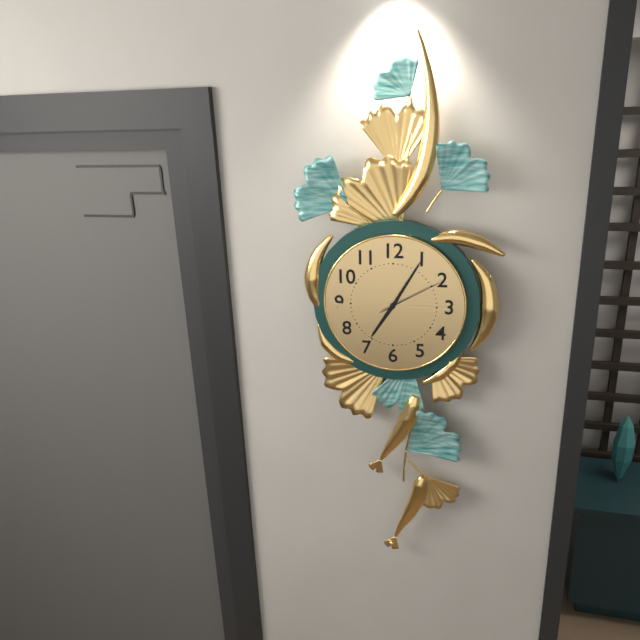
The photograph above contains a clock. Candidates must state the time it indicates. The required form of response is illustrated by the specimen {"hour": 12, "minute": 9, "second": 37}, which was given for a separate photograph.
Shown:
{"hour": 7, "minute": 5, "second": 10}
